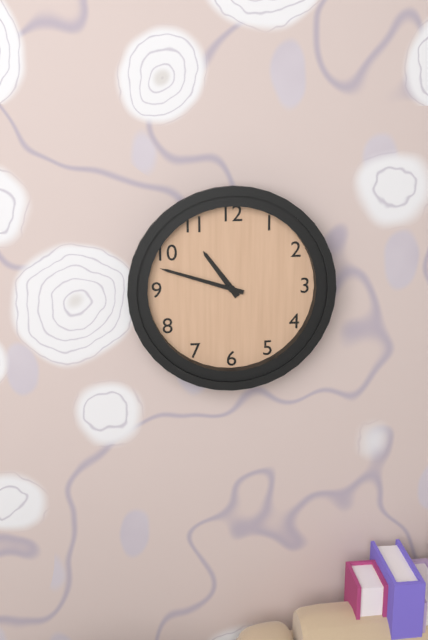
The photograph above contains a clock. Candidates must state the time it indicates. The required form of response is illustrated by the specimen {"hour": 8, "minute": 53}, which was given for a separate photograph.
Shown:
{"hour": 10, "minute": 48}
